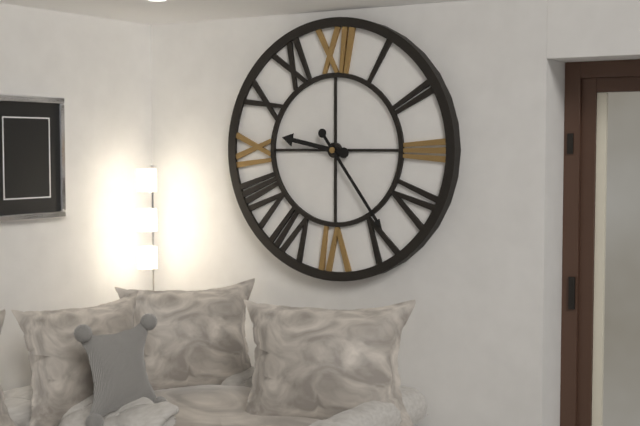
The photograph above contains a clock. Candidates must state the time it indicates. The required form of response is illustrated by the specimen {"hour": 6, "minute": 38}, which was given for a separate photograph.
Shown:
{"hour": 9, "minute": 24}
